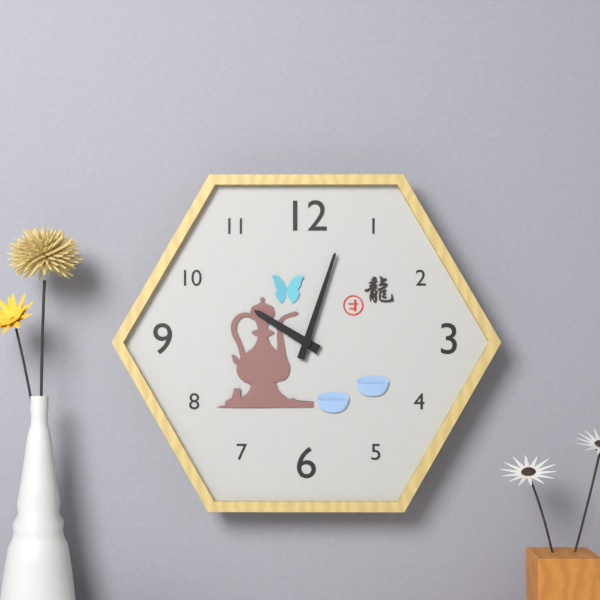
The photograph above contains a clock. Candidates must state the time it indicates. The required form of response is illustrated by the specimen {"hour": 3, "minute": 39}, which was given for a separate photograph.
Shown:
{"hour": 10, "minute": 3}
